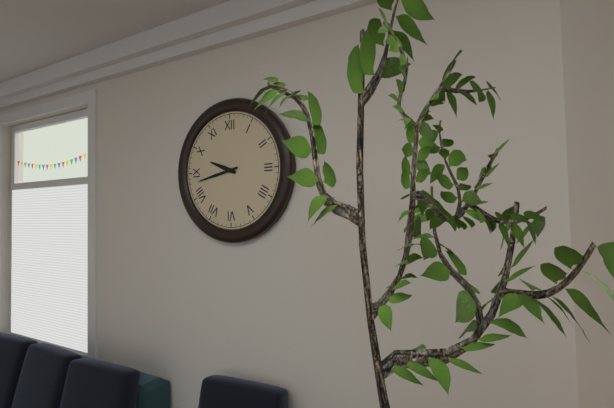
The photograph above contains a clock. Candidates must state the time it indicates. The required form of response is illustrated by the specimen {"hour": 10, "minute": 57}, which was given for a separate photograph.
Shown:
{"hour": 9, "minute": 43}
